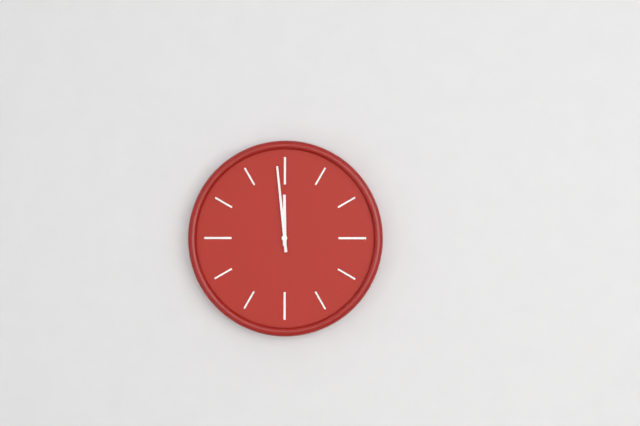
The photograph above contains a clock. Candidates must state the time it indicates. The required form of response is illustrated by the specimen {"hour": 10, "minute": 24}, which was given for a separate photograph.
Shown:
{"hour": 11, "minute": 59}
